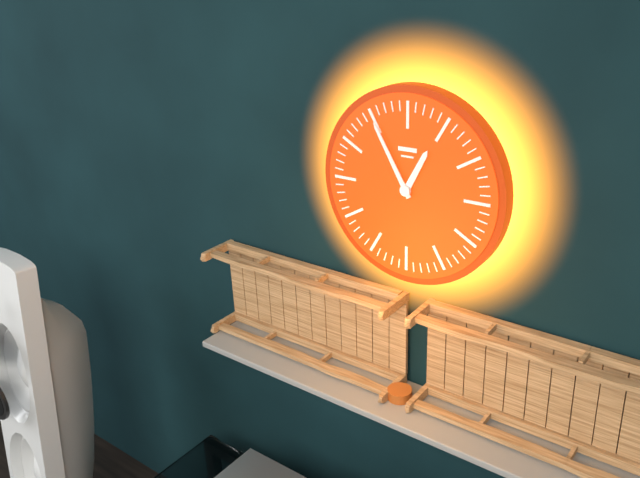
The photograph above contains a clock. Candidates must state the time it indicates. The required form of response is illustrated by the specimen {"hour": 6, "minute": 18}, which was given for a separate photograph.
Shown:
{"hour": 12, "minute": 55}
